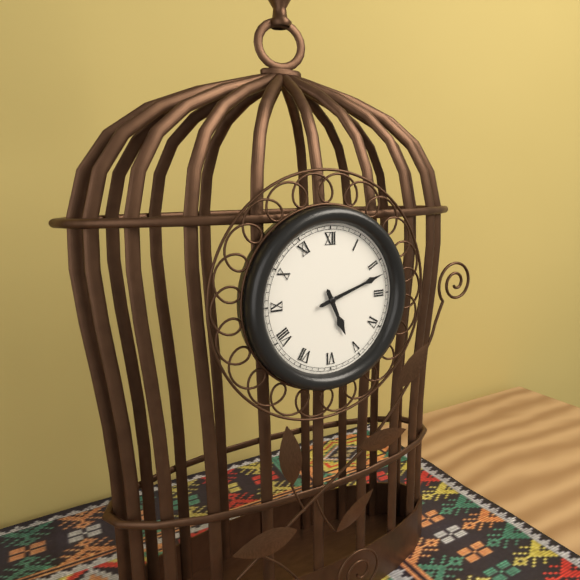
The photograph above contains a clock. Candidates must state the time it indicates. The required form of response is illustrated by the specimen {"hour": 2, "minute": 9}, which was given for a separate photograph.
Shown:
{"hour": 5, "minute": 12}
